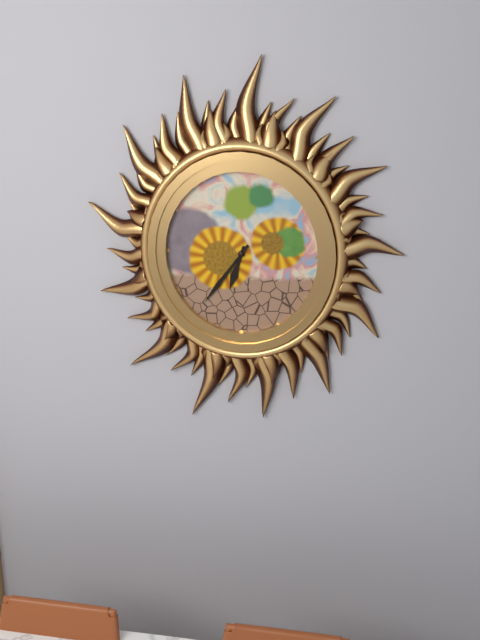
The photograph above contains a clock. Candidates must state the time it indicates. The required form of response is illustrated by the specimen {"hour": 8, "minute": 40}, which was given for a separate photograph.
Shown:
{"hour": 6, "minute": 36}
